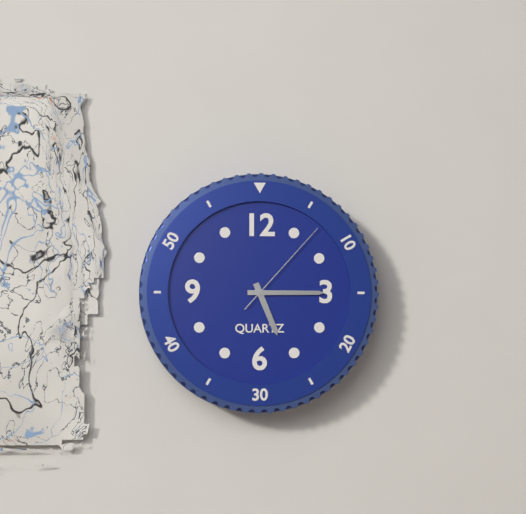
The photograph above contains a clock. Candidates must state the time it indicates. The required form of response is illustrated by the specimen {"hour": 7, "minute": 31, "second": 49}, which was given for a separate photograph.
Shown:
{"hour": 5, "minute": 15, "second": 7}
